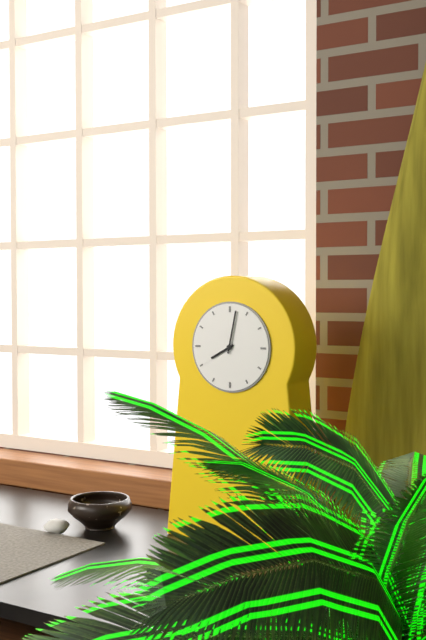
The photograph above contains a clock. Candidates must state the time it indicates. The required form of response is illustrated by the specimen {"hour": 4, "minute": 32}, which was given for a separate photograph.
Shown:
{"hour": 8, "minute": 2}
